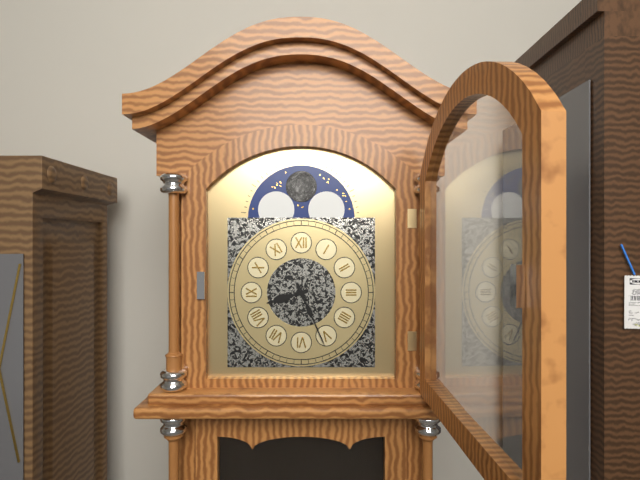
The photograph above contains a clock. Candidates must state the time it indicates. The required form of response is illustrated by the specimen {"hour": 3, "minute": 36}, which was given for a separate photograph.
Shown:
{"hour": 8, "minute": 26}
